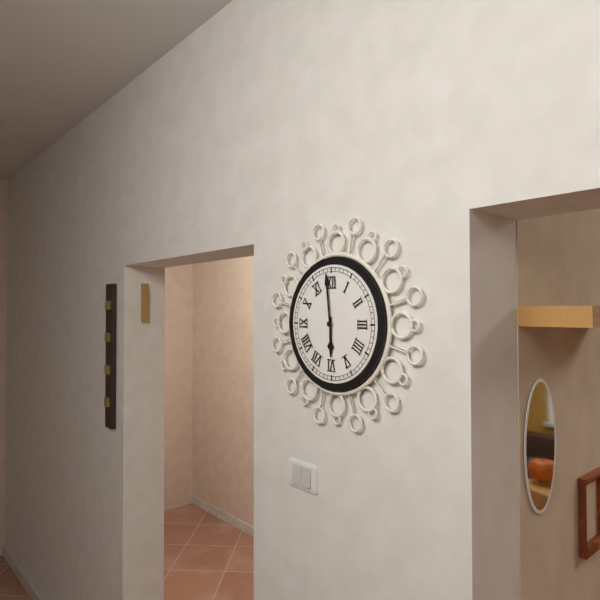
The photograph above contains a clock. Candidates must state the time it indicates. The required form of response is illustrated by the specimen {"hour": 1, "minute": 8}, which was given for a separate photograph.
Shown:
{"hour": 5, "minute": 59}
